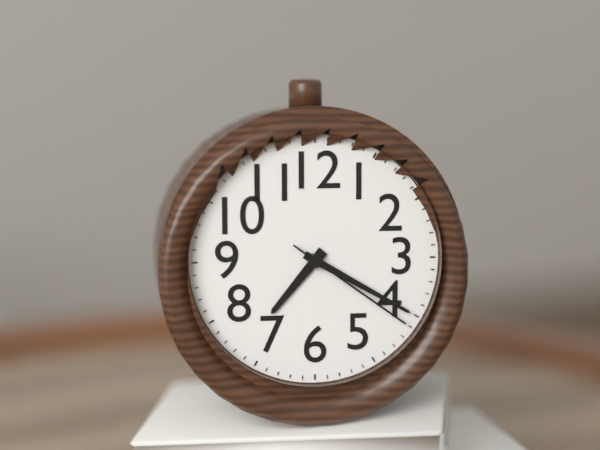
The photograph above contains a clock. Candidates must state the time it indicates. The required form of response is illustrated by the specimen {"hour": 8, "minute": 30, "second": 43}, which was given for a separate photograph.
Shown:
{"hour": 7, "minute": 20, "second": 21}
